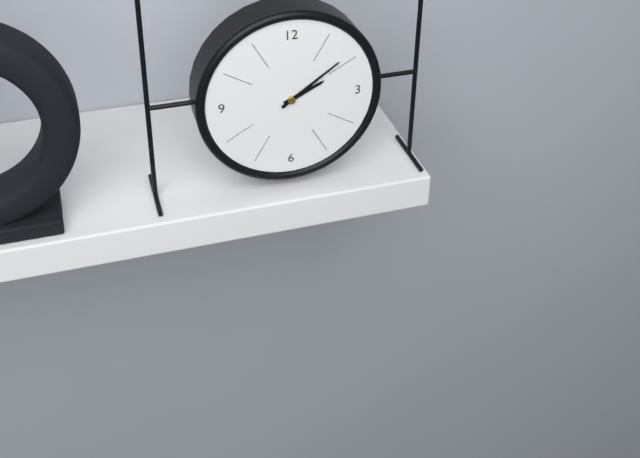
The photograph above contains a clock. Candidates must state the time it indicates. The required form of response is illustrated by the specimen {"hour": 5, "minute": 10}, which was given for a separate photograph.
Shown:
{"hour": 2, "minute": 9}
